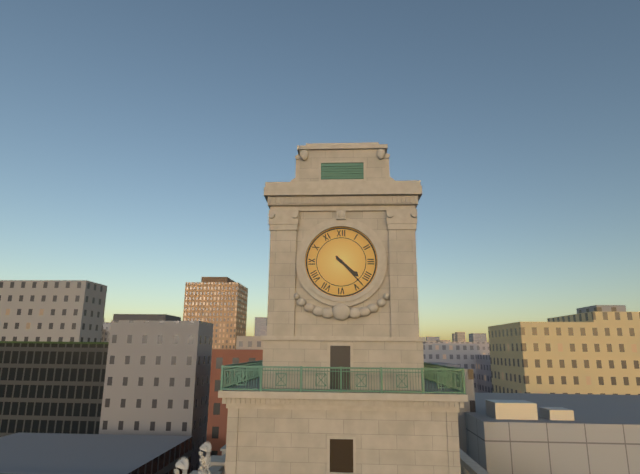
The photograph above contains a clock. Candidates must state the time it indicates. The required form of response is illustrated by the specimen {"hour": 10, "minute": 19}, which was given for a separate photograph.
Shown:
{"hour": 4, "minute": 23}
